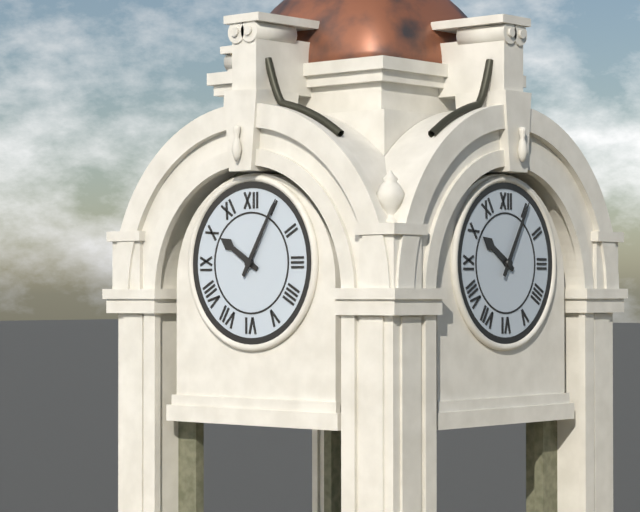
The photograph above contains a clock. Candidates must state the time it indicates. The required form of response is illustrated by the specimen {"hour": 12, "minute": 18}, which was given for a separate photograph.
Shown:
{"hour": 10, "minute": 5}
